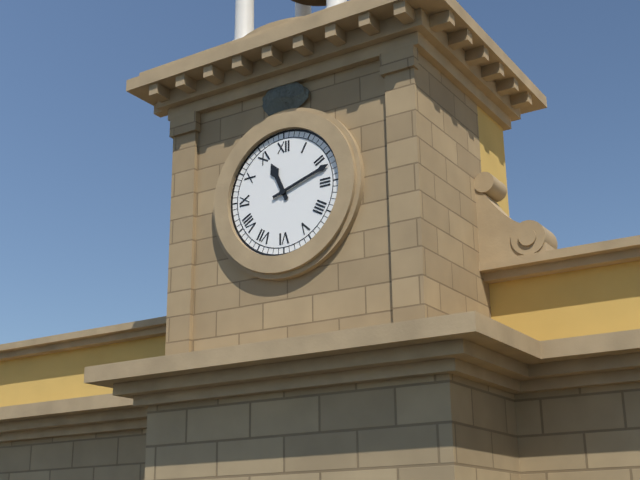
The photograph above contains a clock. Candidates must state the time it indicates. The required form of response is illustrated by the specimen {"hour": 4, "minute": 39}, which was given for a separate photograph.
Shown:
{"hour": 11, "minute": 12}
